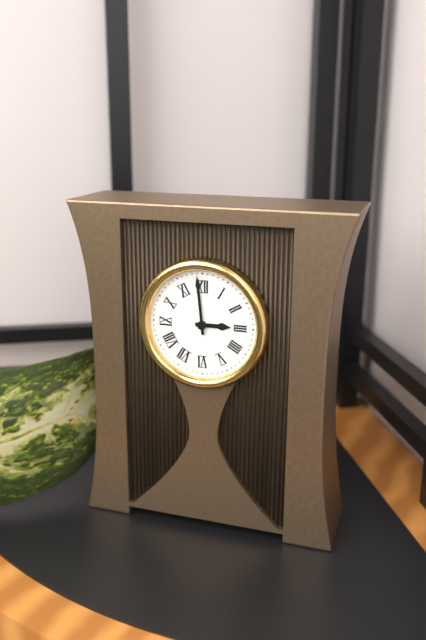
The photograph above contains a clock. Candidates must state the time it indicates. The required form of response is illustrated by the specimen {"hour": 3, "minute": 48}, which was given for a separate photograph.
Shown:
{"hour": 2, "minute": 59}
